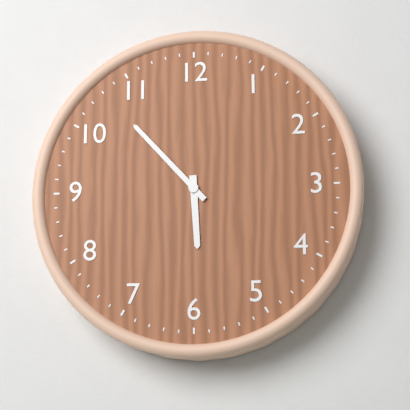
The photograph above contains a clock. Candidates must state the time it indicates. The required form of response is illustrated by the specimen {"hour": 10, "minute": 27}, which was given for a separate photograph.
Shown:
{"hour": 5, "minute": 53}
